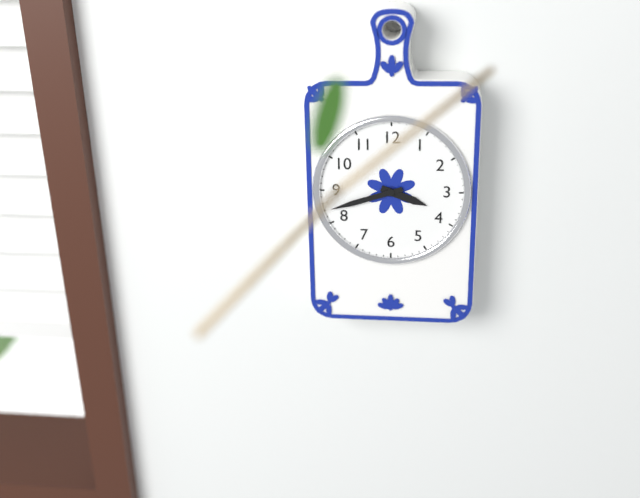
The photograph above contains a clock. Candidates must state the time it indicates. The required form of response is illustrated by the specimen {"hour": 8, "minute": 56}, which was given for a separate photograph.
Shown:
{"hour": 3, "minute": 42}
